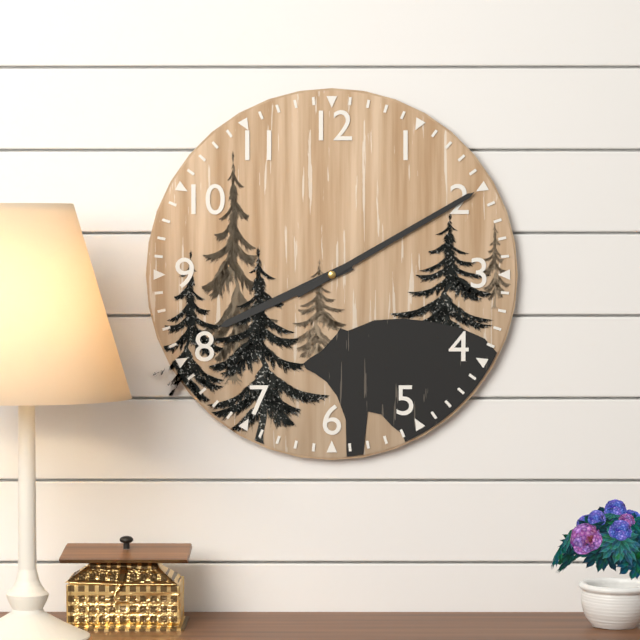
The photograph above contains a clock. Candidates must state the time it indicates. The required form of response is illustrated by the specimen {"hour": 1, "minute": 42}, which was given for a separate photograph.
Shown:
{"hour": 8, "minute": 10}
